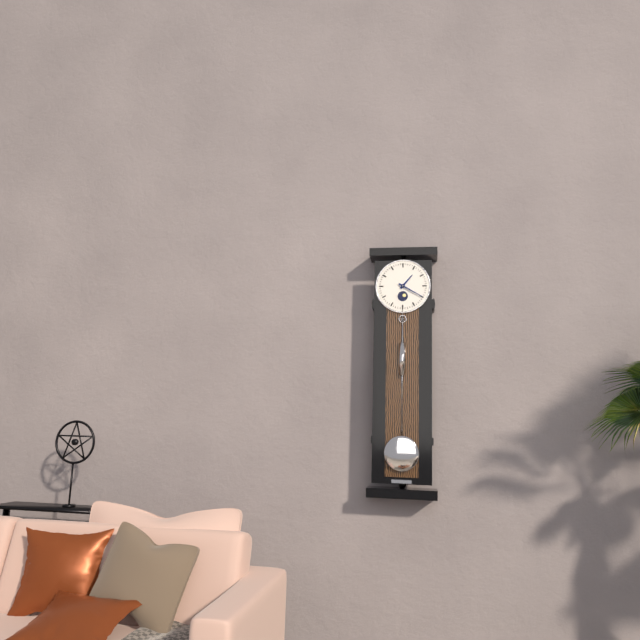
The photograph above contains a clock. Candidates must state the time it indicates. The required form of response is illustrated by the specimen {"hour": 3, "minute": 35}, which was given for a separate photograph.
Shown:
{"hour": 1, "minute": 20}
